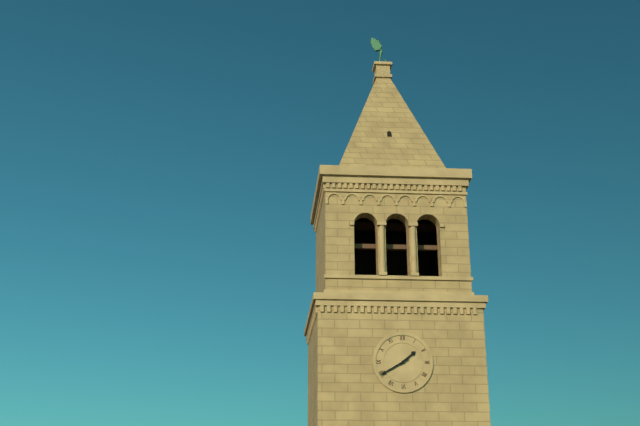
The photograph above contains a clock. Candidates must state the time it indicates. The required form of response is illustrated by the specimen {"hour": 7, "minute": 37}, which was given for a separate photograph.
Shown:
{"hour": 1, "minute": 40}
